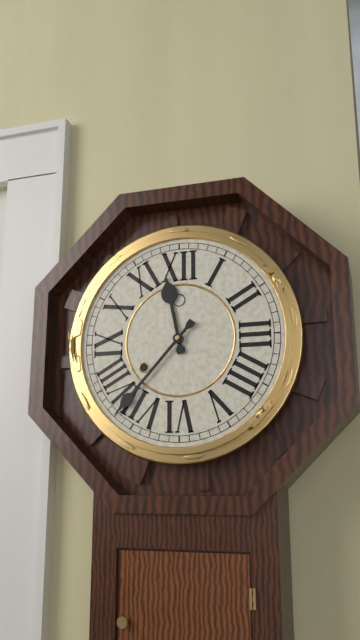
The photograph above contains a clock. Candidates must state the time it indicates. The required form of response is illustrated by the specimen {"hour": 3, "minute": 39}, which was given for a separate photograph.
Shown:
{"hour": 11, "minute": 37}
